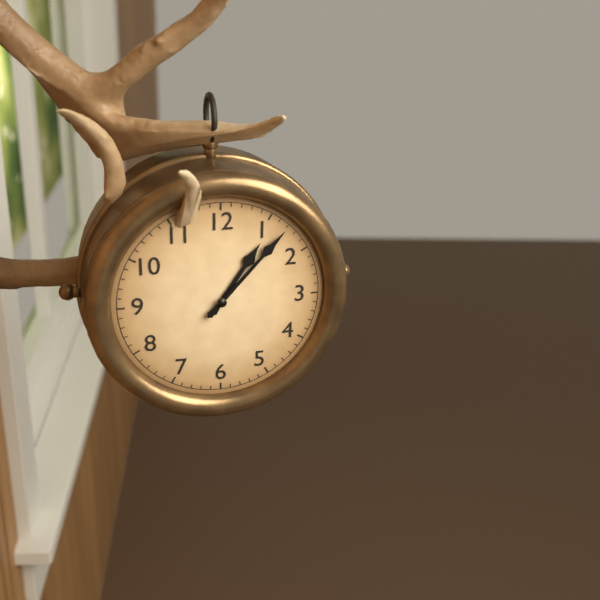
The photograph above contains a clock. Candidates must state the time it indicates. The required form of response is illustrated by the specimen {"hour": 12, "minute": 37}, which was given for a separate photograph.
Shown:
{"hour": 1, "minute": 7}
